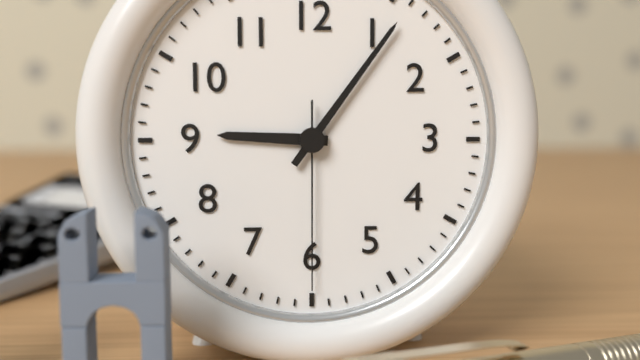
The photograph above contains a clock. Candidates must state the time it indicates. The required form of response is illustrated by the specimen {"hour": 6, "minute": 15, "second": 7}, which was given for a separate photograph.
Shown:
{"hour": 9, "minute": 6, "second": 30}
